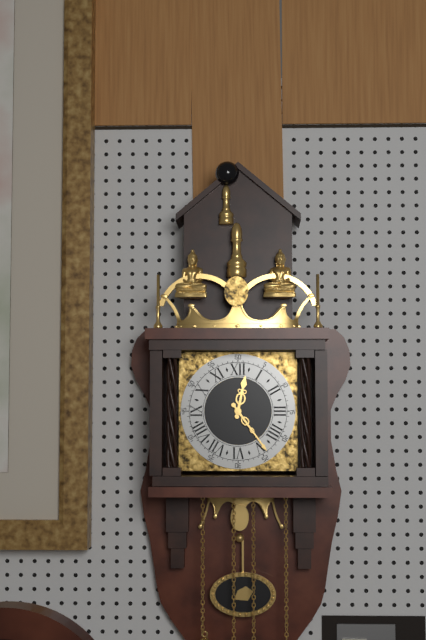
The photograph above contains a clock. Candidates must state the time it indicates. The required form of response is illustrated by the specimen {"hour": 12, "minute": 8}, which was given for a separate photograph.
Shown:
{"hour": 12, "minute": 24}
